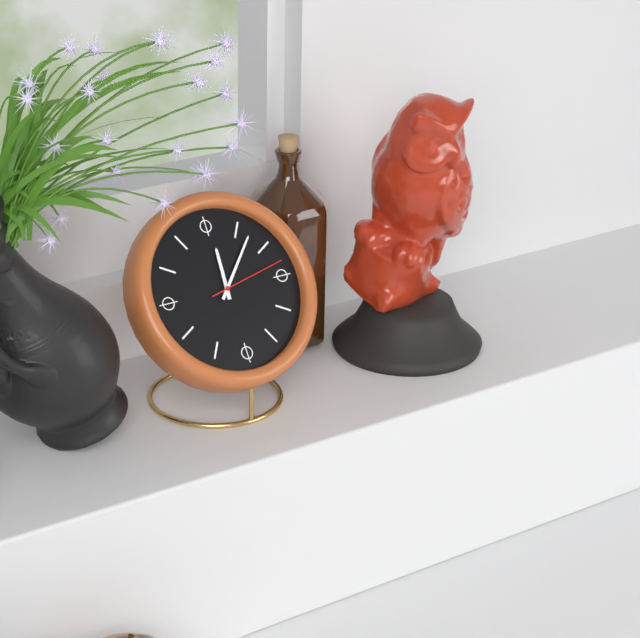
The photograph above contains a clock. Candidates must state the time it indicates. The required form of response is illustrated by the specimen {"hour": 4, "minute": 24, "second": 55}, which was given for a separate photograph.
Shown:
{"hour": 12, "minute": 7, "second": 13}
